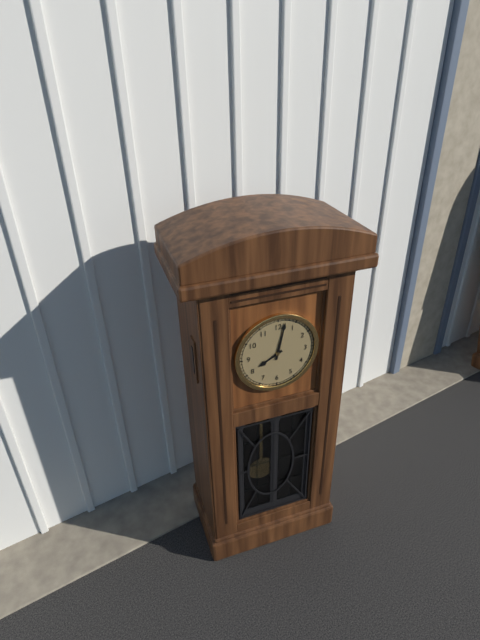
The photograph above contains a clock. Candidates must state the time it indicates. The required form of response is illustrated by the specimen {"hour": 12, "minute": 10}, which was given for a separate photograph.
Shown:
{"hour": 8, "minute": 2}
